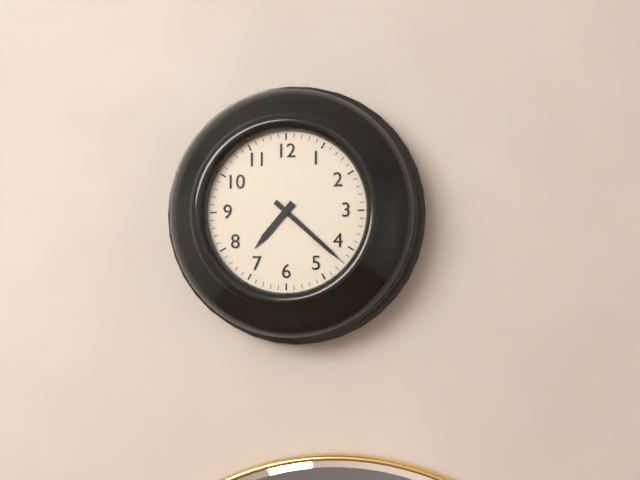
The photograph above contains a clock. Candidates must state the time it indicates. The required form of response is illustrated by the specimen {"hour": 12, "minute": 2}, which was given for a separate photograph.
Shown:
{"hour": 7, "minute": 22}
